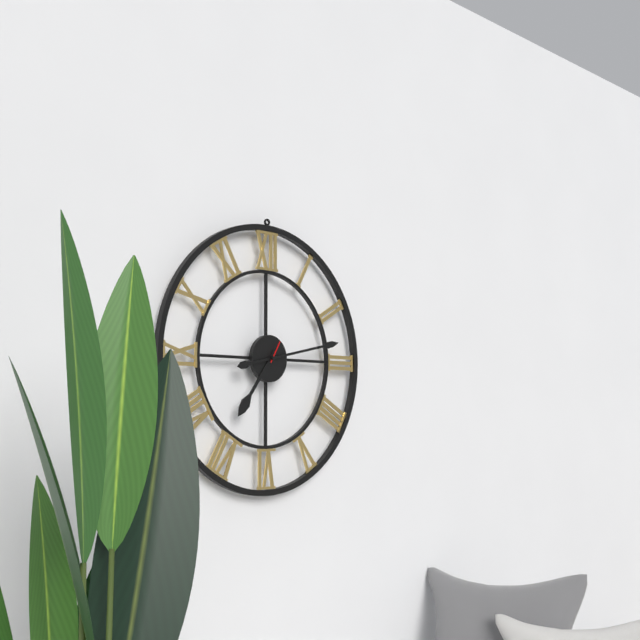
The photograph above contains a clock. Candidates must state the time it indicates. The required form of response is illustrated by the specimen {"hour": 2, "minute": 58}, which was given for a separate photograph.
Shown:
{"hour": 7, "minute": 13}
